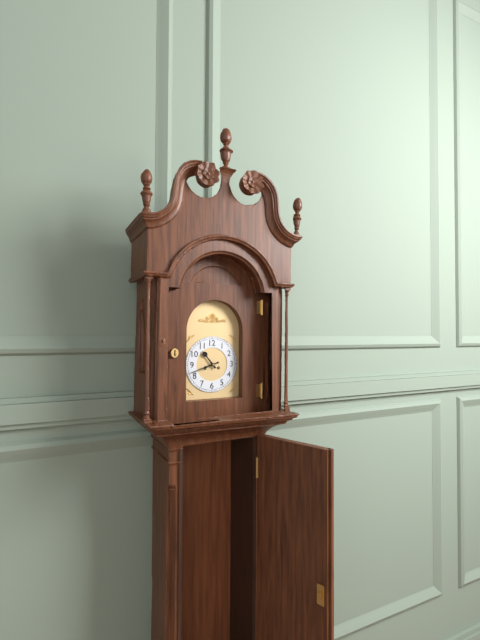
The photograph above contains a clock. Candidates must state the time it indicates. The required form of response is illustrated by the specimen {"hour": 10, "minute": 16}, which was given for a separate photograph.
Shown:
{"hour": 10, "minute": 42}
